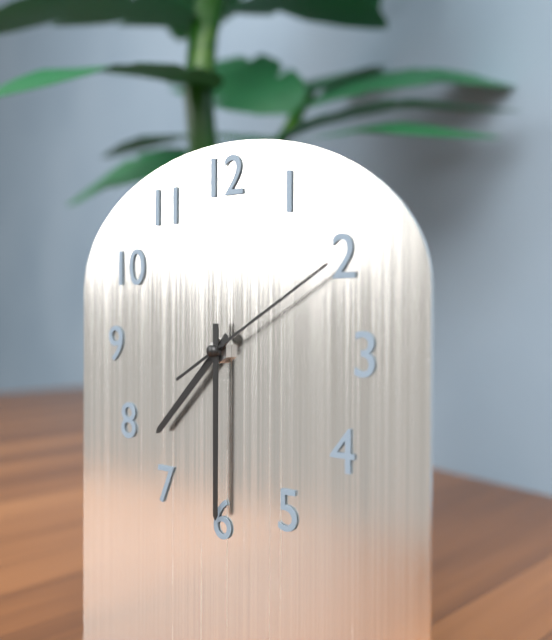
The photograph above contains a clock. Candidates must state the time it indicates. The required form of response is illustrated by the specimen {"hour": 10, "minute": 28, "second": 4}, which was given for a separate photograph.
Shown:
{"hour": 7, "minute": 30, "second": 10}
